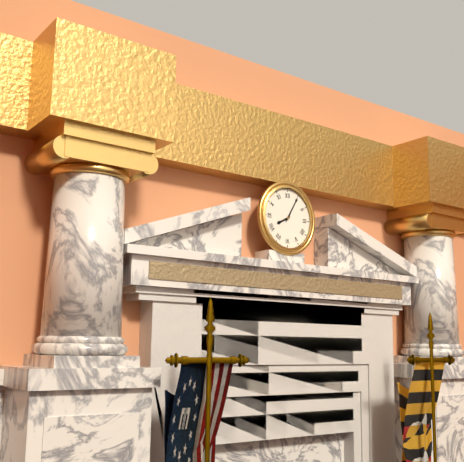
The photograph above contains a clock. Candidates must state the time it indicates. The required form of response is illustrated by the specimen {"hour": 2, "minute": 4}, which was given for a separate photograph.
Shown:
{"hour": 8, "minute": 5}
